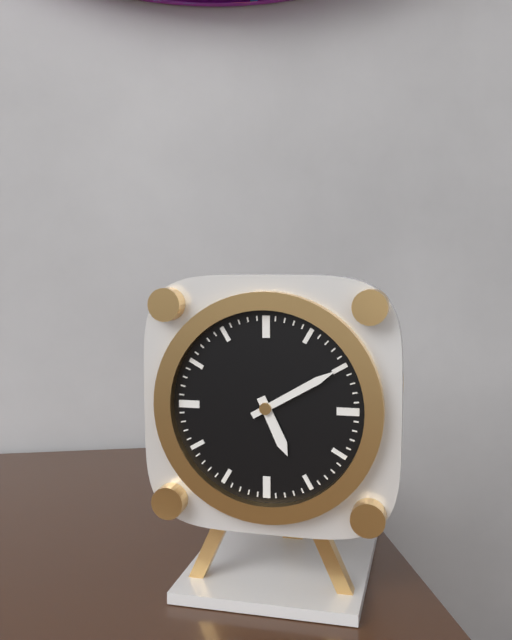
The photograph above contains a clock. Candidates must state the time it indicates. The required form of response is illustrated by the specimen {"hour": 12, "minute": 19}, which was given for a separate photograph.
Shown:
{"hour": 5, "minute": 10}
